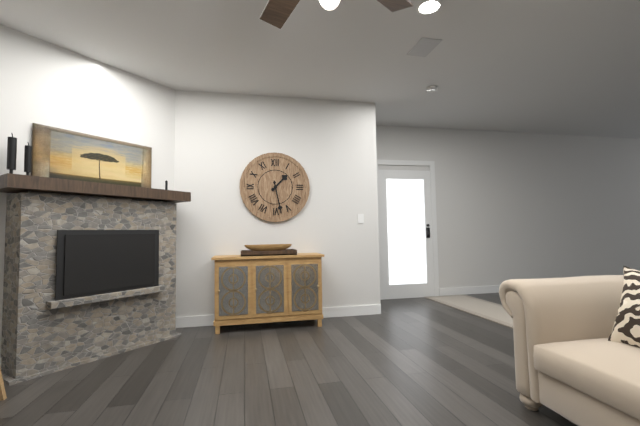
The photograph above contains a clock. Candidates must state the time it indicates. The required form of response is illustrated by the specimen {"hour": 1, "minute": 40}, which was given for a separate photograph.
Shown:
{"hour": 1, "minute": 28}
